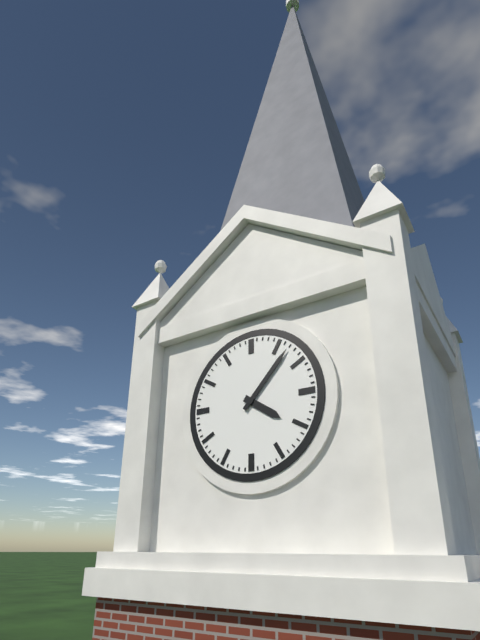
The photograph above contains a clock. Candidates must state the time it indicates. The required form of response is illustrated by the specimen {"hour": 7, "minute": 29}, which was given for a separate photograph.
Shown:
{"hour": 4, "minute": 7}
